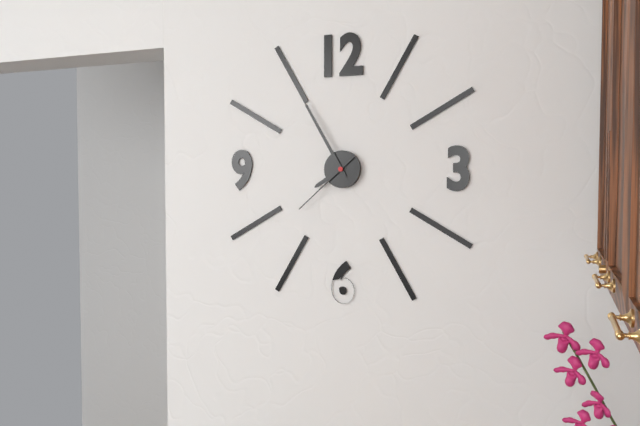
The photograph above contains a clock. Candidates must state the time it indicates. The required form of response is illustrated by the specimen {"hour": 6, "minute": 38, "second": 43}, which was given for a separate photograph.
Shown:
{"hour": 7, "minute": 55, "second": 38}
